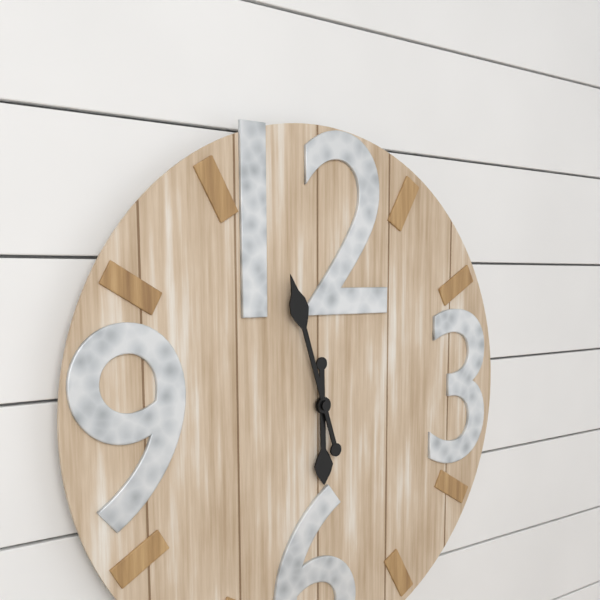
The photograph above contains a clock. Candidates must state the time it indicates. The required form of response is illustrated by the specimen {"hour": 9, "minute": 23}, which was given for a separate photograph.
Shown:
{"hour": 5, "minute": 57}
